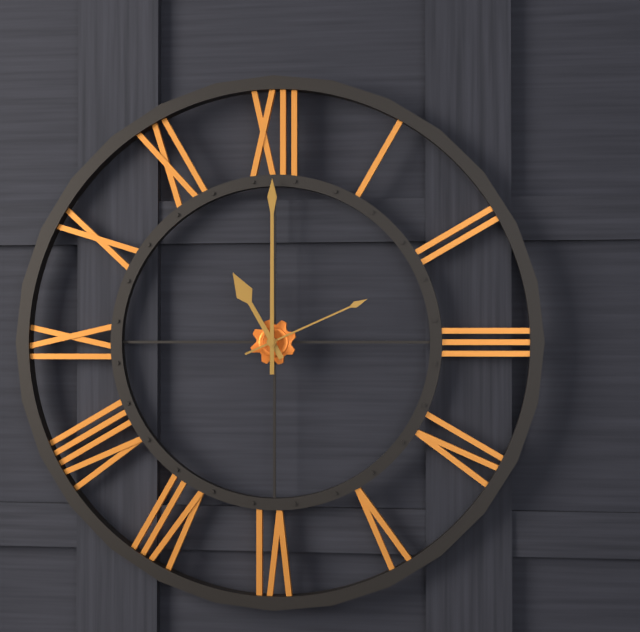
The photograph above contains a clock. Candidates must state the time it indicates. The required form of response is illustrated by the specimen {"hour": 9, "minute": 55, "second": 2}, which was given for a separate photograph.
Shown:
{"hour": 11, "minute": 0, "second": 11}
